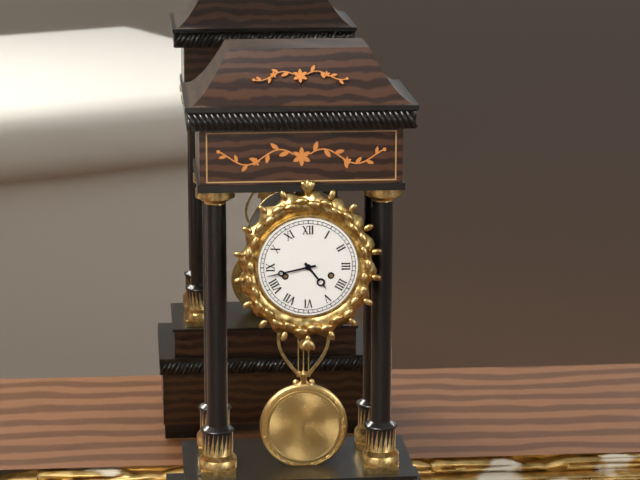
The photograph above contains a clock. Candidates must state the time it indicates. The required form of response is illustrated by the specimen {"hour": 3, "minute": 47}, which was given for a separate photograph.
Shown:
{"hour": 4, "minute": 43}
